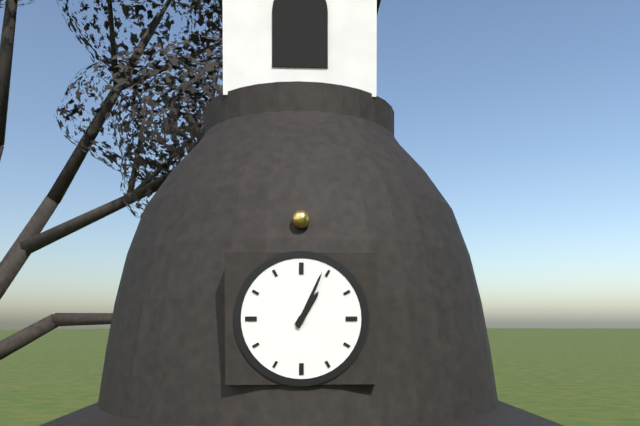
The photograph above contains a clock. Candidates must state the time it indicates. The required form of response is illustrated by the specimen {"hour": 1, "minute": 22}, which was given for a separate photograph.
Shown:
{"hour": 1, "minute": 4}
